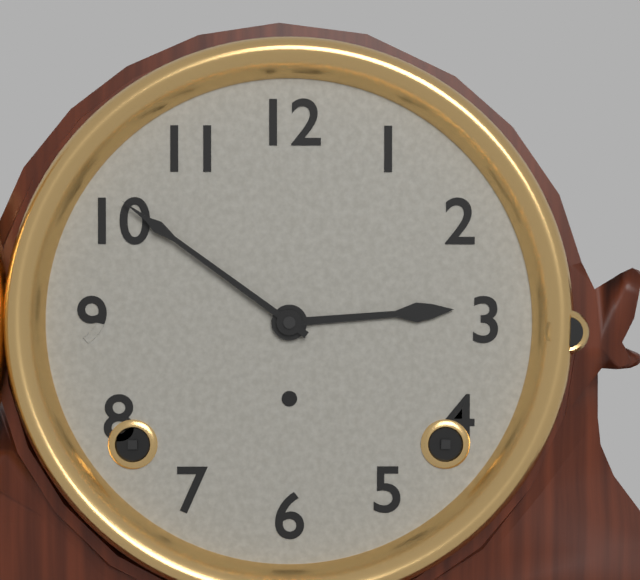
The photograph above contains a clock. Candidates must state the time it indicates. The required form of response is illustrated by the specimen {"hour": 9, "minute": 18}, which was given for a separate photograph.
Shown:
{"hour": 2, "minute": 51}
